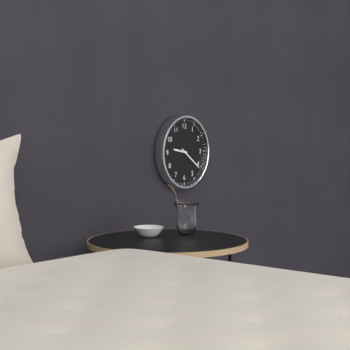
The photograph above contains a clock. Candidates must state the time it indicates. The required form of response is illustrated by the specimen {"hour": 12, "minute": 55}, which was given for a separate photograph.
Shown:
{"hour": 9, "minute": 21}
